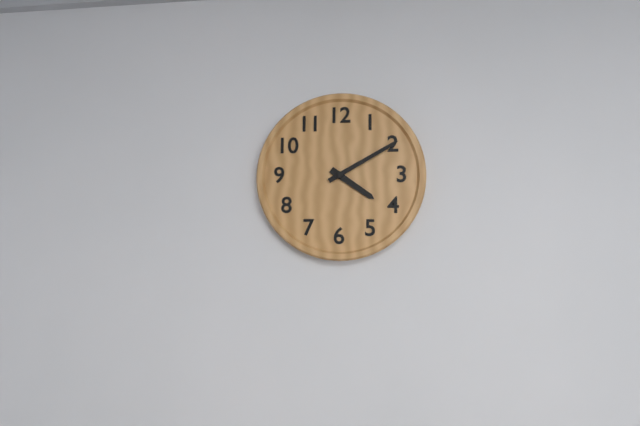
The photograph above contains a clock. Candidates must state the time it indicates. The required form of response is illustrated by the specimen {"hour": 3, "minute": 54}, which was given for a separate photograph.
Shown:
{"hour": 4, "minute": 10}
